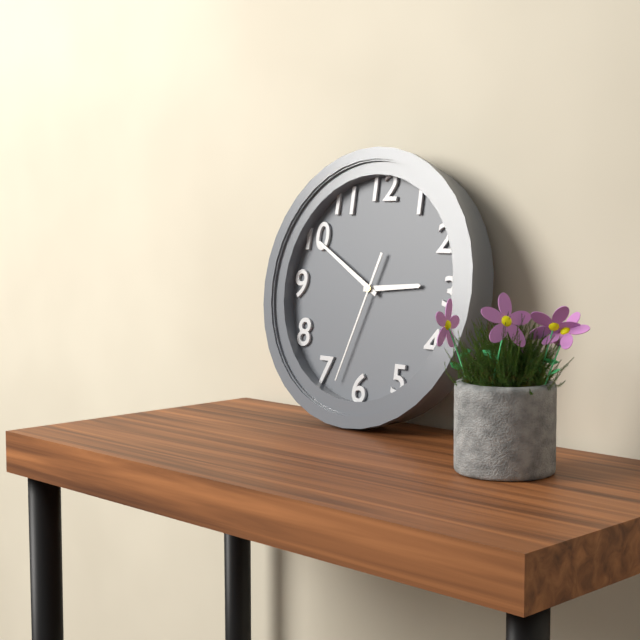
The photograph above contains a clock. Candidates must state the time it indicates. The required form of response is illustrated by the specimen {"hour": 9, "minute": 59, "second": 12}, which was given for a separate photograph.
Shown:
{"hour": 2, "minute": 50, "second": 33}
